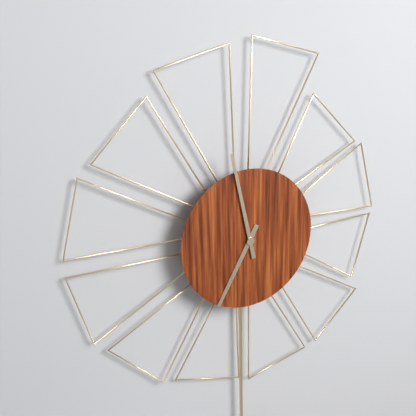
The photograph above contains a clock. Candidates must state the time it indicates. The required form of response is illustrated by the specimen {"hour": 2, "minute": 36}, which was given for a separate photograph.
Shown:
{"hour": 6, "minute": 58}
